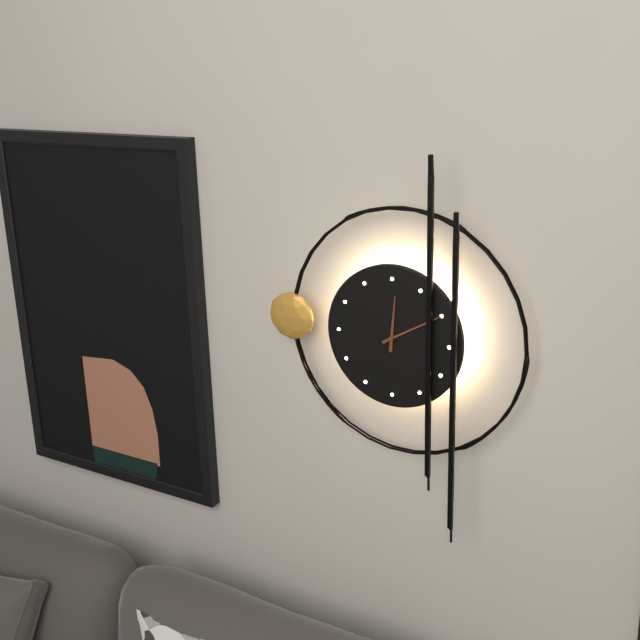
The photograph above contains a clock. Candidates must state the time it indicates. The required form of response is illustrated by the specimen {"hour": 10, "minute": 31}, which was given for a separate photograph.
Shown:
{"hour": 12, "minute": 10}
